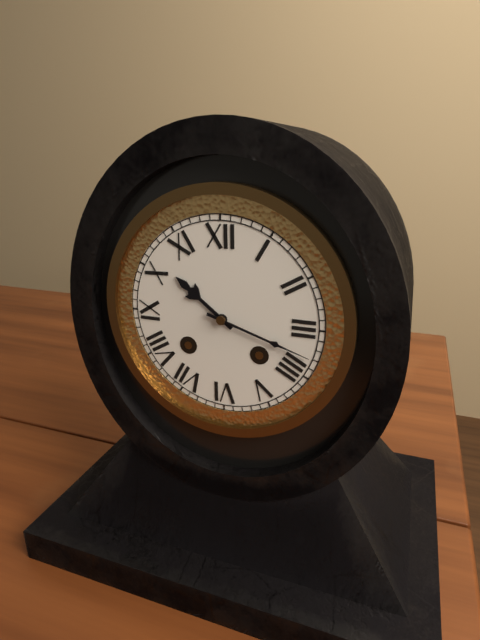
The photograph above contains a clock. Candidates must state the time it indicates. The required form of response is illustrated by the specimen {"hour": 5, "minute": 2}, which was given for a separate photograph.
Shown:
{"hour": 10, "minute": 18}
